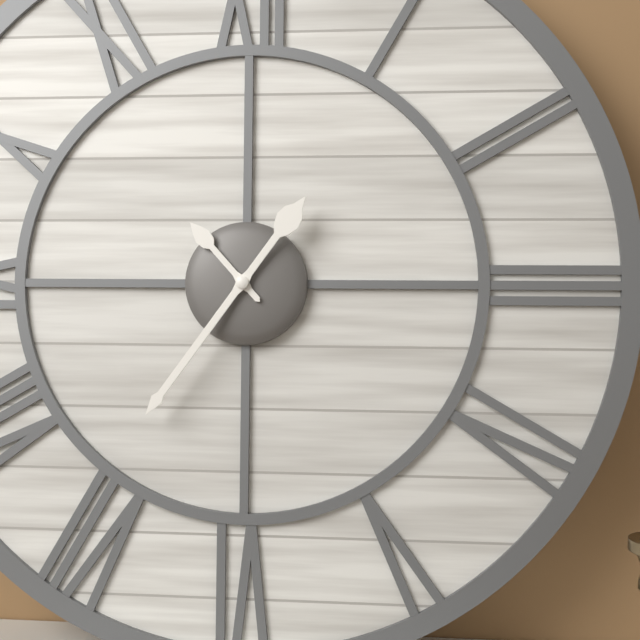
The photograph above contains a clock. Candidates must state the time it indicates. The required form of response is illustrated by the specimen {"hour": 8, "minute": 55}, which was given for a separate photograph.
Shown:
{"hour": 10, "minute": 36}
